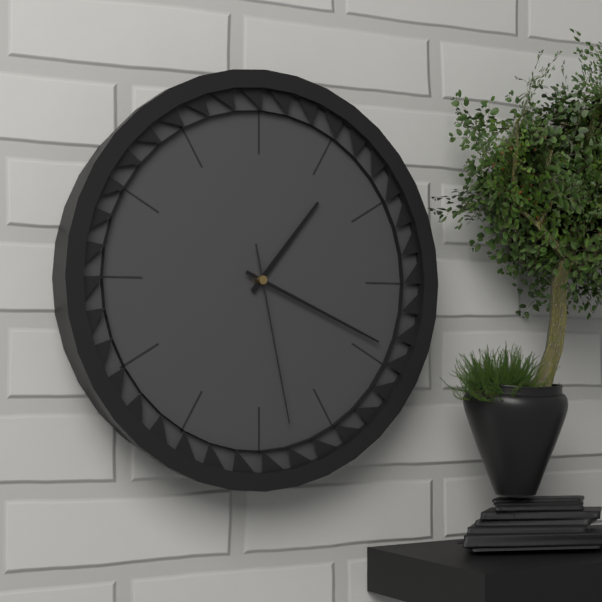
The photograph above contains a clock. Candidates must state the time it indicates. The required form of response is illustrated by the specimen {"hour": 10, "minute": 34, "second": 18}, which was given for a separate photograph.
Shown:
{"hour": 1, "minute": 19, "second": 28}
